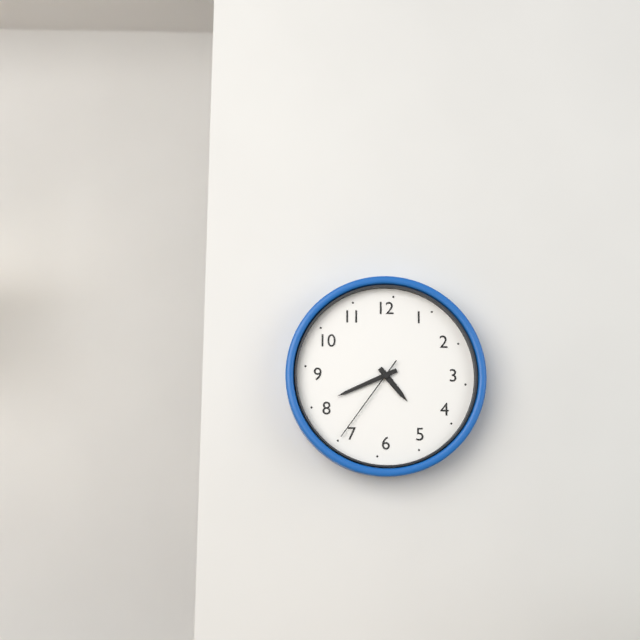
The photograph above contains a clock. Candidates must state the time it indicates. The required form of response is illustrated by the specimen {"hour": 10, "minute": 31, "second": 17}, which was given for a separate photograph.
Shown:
{"hour": 4, "minute": 41, "second": 36}
